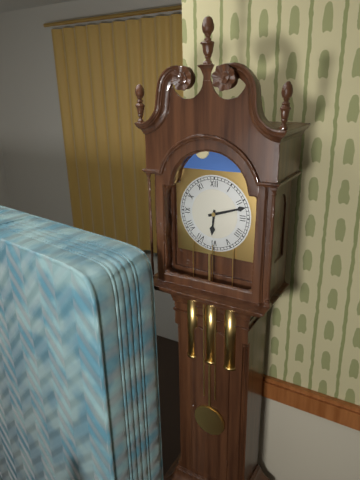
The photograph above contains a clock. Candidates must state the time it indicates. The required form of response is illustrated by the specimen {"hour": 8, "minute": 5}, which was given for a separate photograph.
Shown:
{"hour": 6, "minute": 12}
